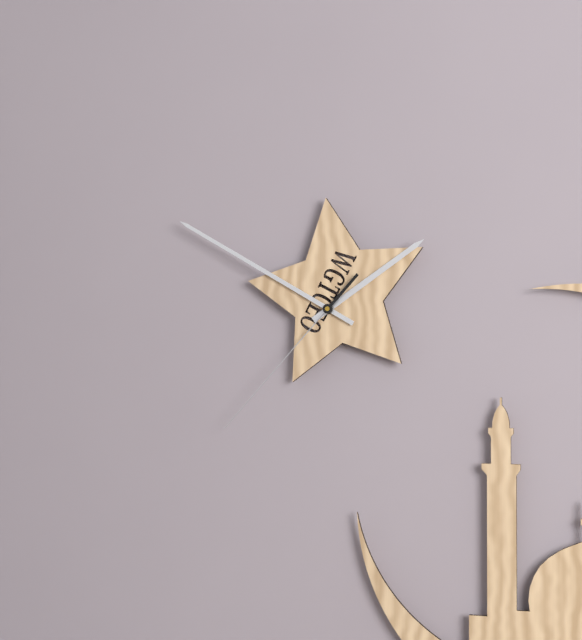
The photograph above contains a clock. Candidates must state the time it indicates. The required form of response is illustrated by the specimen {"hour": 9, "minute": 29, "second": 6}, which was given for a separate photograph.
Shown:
{"hour": 1, "minute": 50, "second": 37}
